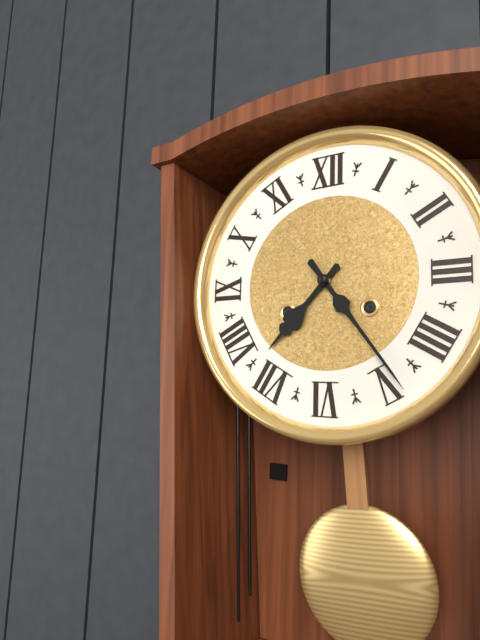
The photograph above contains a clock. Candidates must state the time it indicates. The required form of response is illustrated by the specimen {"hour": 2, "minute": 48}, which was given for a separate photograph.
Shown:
{"hour": 7, "minute": 24}
